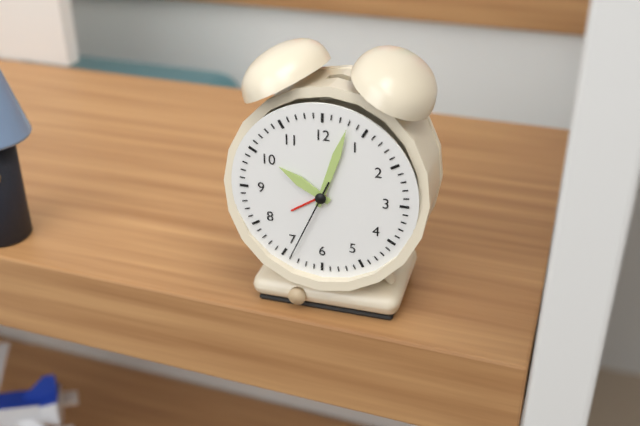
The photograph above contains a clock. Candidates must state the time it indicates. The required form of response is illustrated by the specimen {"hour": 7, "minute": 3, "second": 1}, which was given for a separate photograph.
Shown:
{"hour": 10, "minute": 3, "second": 34}
